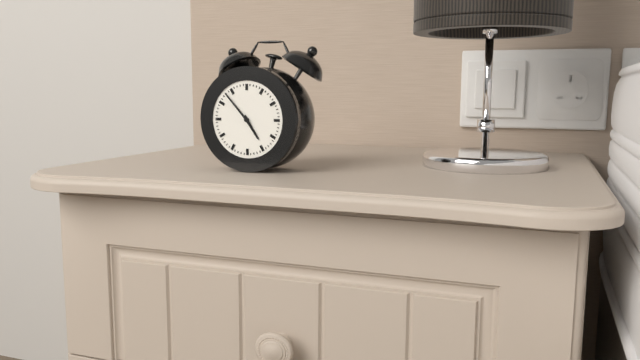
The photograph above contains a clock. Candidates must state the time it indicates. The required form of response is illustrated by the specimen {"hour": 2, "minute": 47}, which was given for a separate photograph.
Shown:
{"hour": 4, "minute": 53}
